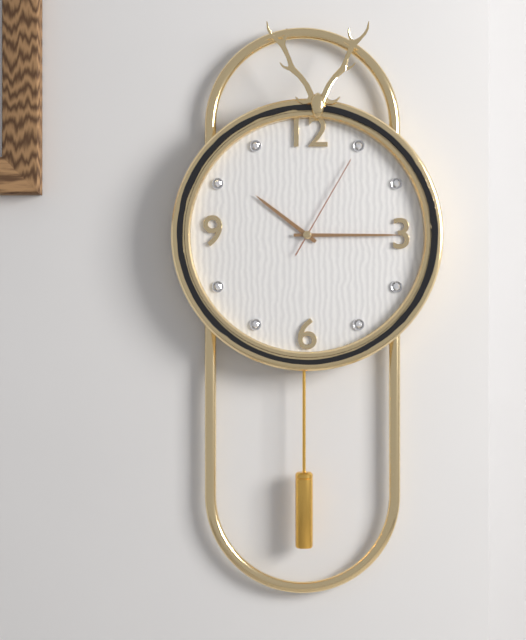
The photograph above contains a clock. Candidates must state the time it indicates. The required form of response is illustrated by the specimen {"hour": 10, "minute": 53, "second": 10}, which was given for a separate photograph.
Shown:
{"hour": 10, "minute": 15, "second": 5}
